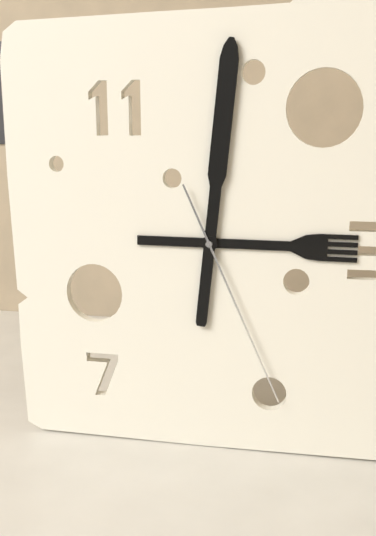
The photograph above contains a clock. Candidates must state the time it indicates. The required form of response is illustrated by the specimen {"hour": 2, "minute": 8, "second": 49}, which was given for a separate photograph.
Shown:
{"hour": 3, "minute": 1, "second": 26}
